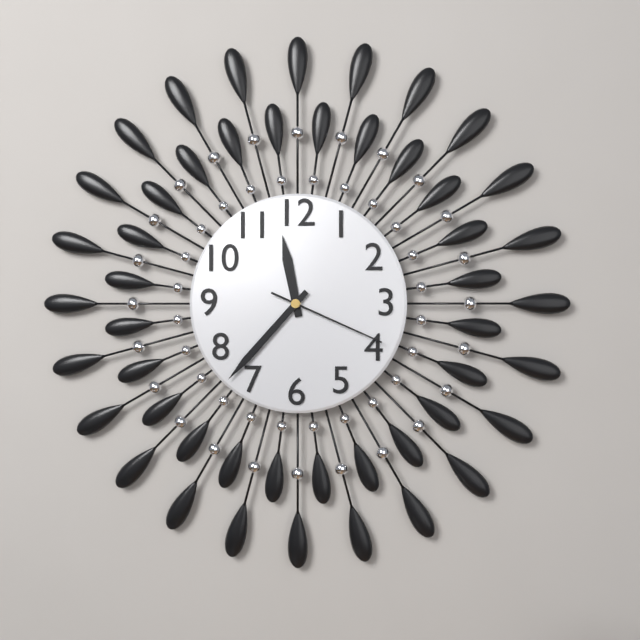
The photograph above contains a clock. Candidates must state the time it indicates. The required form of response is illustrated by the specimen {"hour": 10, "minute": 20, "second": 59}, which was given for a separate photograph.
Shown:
{"hour": 11, "minute": 37, "second": 19}
